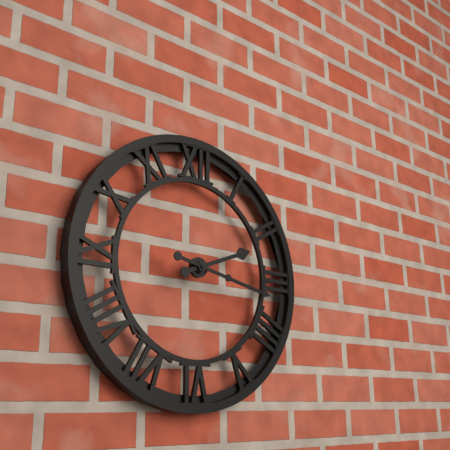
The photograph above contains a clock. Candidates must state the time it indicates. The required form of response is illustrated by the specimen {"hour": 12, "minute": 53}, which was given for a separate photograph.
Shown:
{"hour": 2, "minute": 17}
